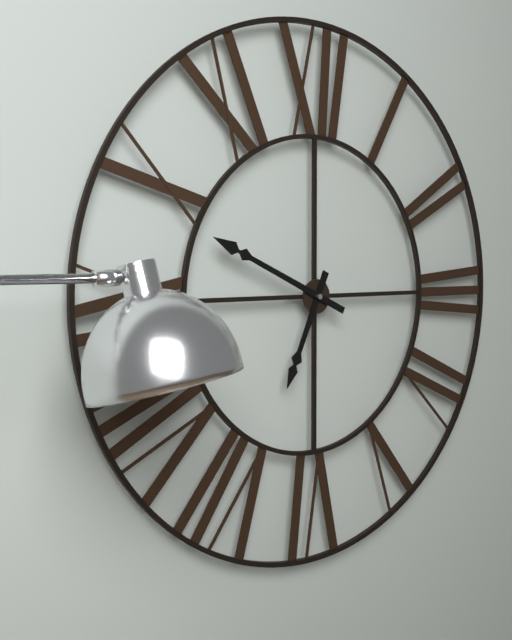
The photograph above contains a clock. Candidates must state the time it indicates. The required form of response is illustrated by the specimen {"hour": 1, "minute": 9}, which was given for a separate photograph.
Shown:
{"hour": 6, "minute": 49}
